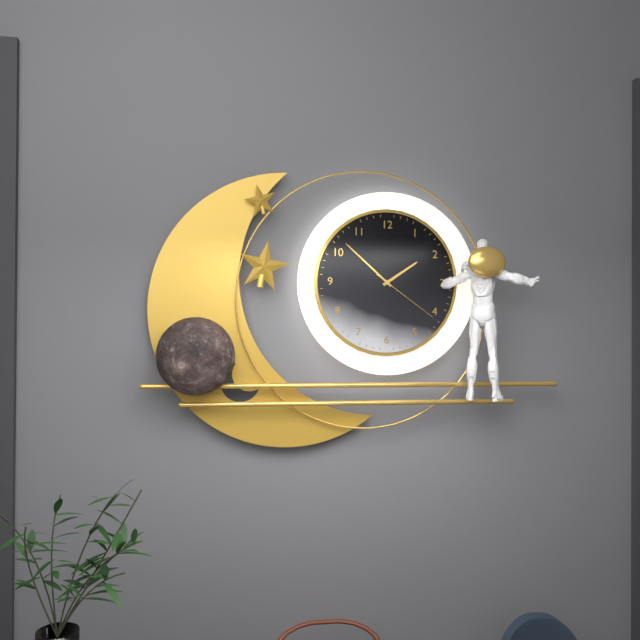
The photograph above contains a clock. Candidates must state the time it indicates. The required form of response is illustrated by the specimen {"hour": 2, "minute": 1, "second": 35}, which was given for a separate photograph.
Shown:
{"hour": 1, "minute": 52, "second": 21}
